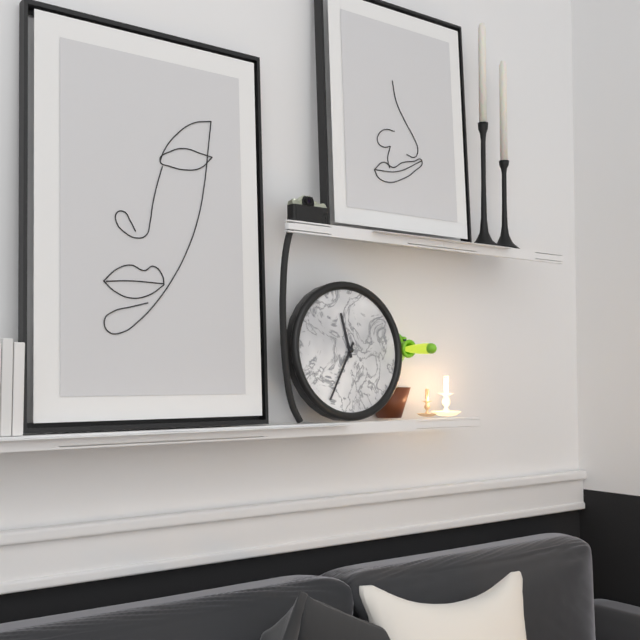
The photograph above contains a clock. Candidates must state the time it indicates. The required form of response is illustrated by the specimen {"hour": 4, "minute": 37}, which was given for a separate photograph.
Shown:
{"hour": 11, "minute": 35}
